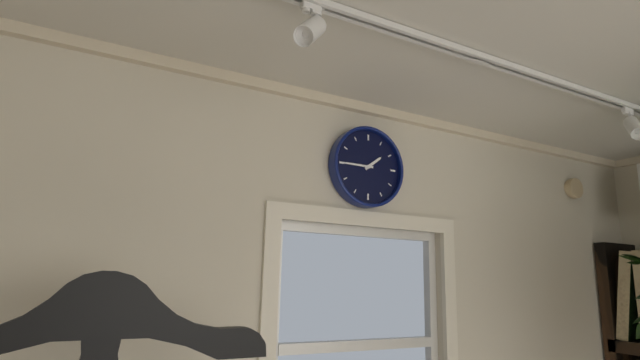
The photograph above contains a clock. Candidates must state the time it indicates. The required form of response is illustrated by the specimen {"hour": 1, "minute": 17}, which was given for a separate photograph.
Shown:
{"hour": 1, "minute": 45}
